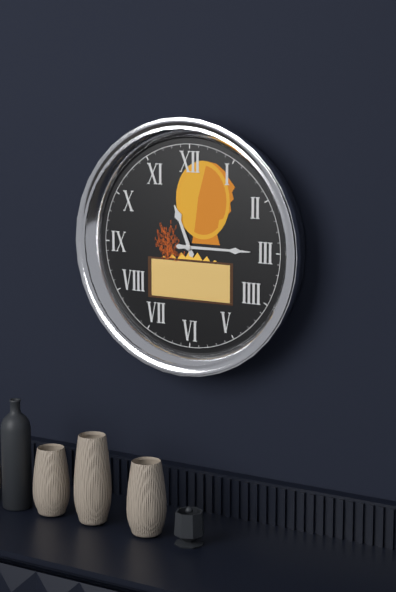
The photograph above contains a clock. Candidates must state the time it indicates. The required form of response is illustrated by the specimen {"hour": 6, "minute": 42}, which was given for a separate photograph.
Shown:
{"hour": 11, "minute": 15}
